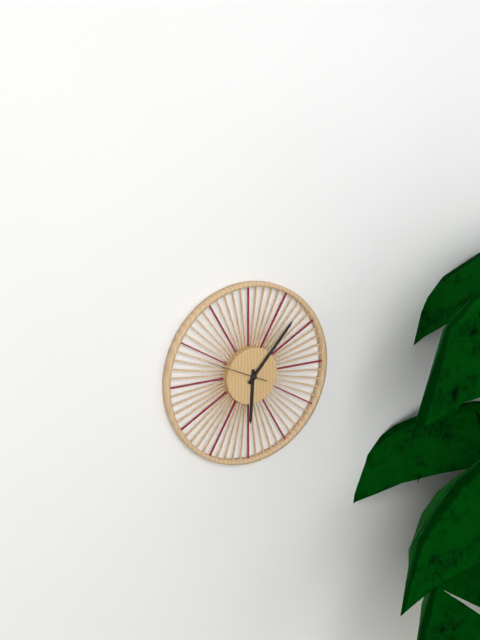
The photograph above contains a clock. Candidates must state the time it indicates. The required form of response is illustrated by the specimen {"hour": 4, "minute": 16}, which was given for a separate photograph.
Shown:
{"hour": 6, "minute": 7}
